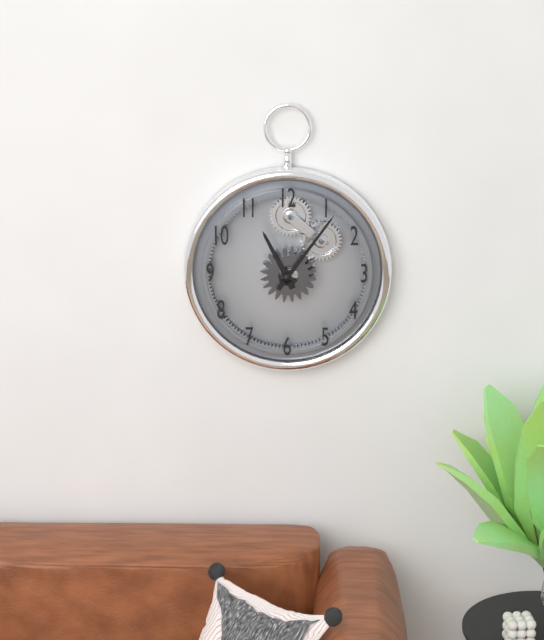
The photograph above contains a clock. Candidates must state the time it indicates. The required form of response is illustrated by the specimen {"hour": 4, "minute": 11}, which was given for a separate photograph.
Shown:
{"hour": 11, "minute": 6}
